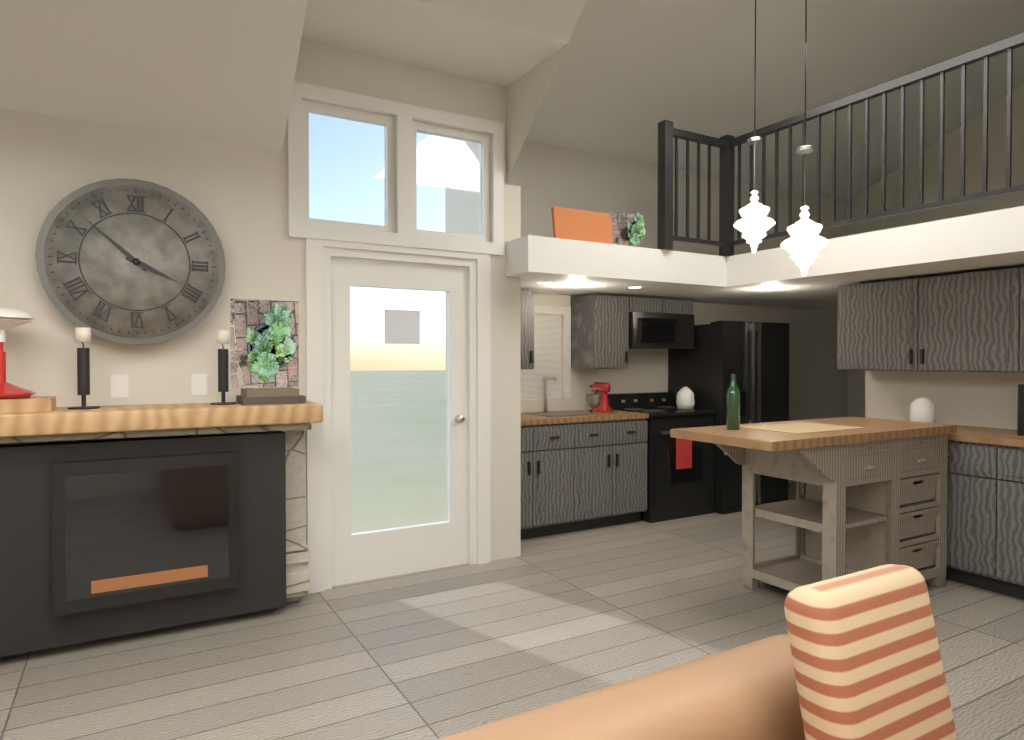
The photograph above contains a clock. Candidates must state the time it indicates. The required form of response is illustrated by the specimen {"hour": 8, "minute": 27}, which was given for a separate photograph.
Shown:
{"hour": 3, "minute": 52}
